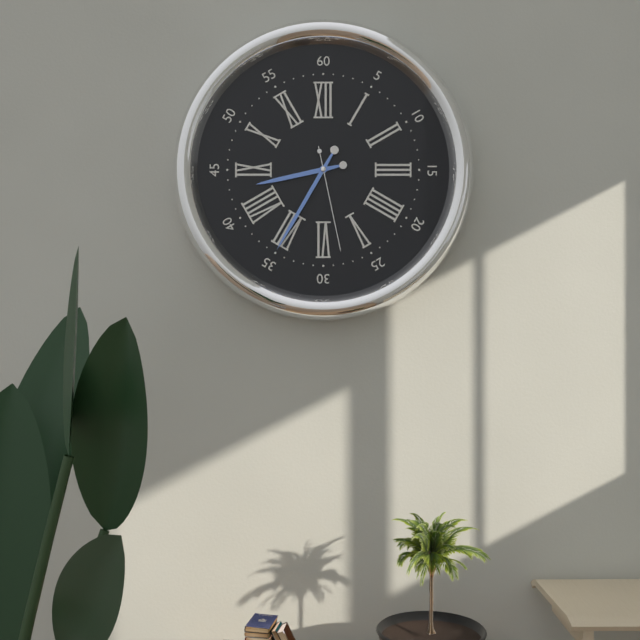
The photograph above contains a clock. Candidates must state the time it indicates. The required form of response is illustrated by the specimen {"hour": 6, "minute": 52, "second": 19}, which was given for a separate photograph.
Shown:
{"hour": 8, "minute": 35, "second": 28}
